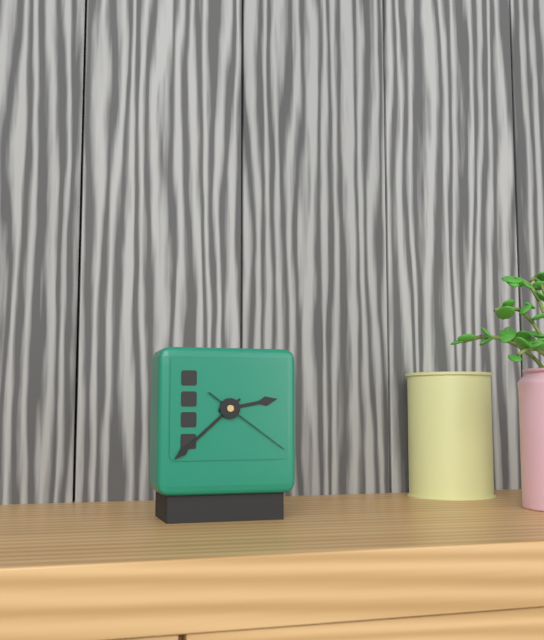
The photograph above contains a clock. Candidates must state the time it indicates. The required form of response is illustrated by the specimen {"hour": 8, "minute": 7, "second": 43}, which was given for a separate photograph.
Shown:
{"hour": 2, "minute": 38, "second": 21}
